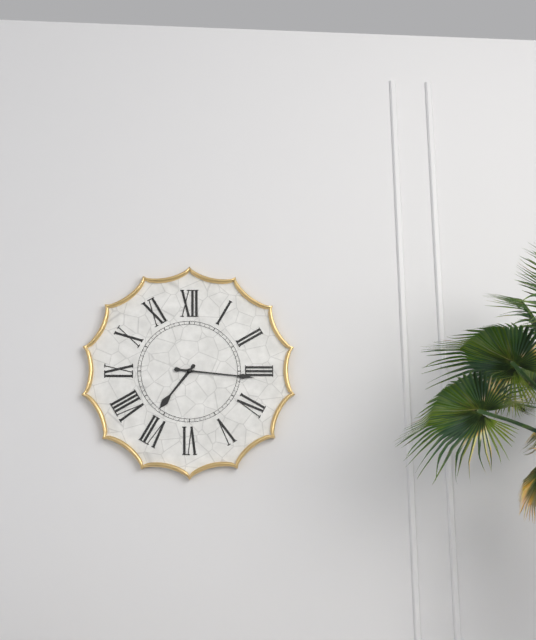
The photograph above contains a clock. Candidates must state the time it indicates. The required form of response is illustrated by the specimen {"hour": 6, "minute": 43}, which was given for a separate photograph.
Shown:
{"hour": 7, "minute": 16}
